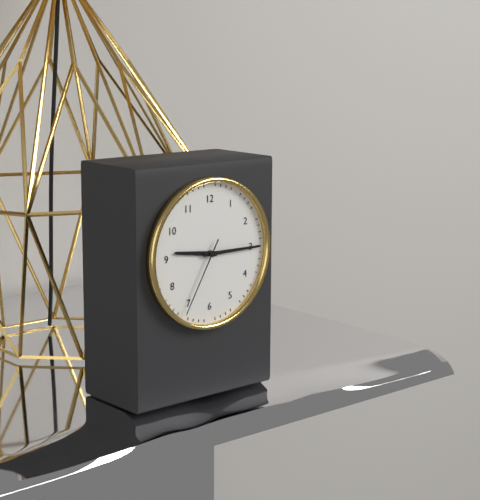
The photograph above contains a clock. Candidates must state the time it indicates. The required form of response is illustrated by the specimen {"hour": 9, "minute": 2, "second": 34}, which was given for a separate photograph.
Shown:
{"hour": 9, "minute": 15, "second": 35}
